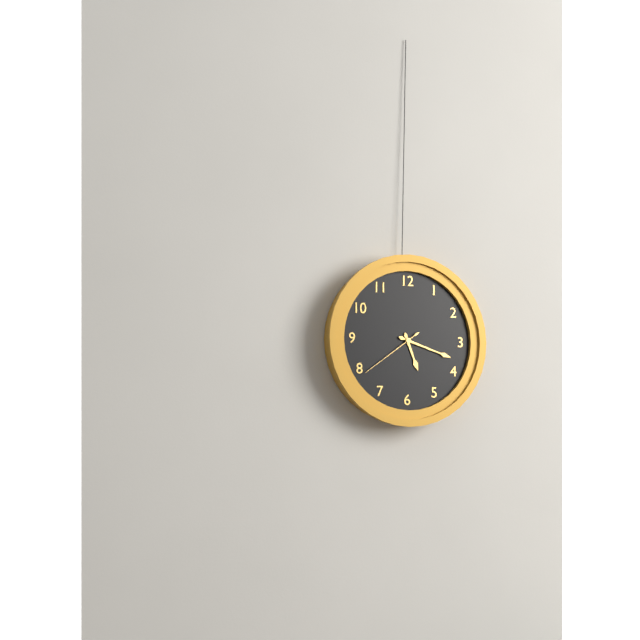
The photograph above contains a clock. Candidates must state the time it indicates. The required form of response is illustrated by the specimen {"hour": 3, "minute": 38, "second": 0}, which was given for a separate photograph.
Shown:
{"hour": 5, "minute": 18, "second": 39}
